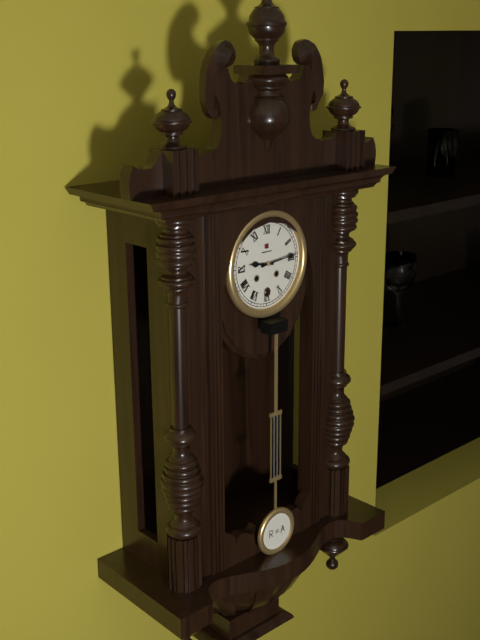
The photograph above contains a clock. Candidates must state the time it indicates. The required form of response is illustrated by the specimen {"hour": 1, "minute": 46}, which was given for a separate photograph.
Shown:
{"hour": 9, "minute": 14}
